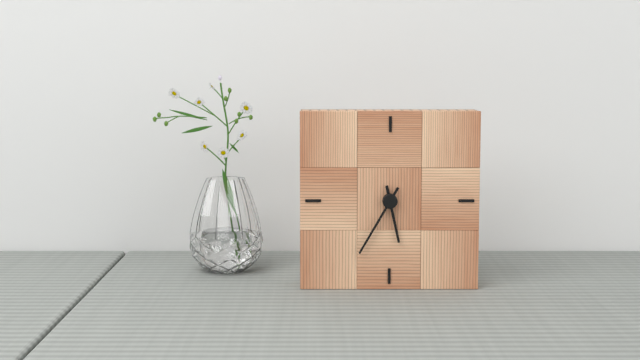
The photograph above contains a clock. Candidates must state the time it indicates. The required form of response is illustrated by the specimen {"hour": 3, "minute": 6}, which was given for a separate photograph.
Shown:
{"hour": 5, "minute": 35}
